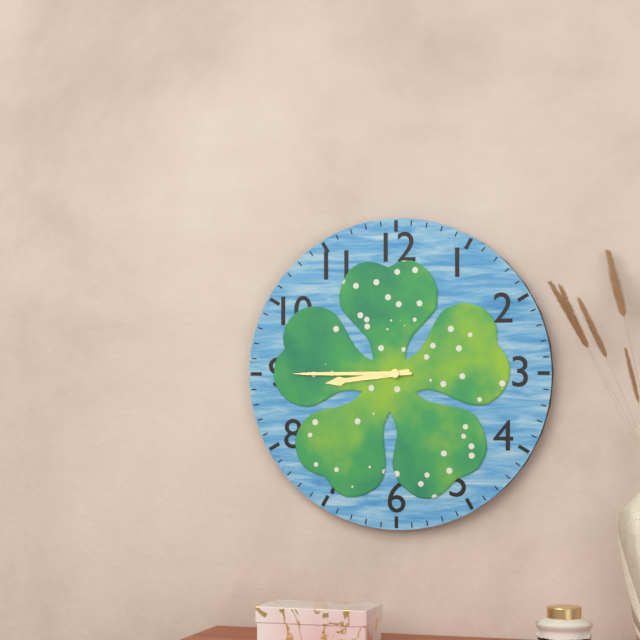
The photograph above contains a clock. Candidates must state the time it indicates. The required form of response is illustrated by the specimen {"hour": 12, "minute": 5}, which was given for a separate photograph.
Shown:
{"hour": 8, "minute": 45}
